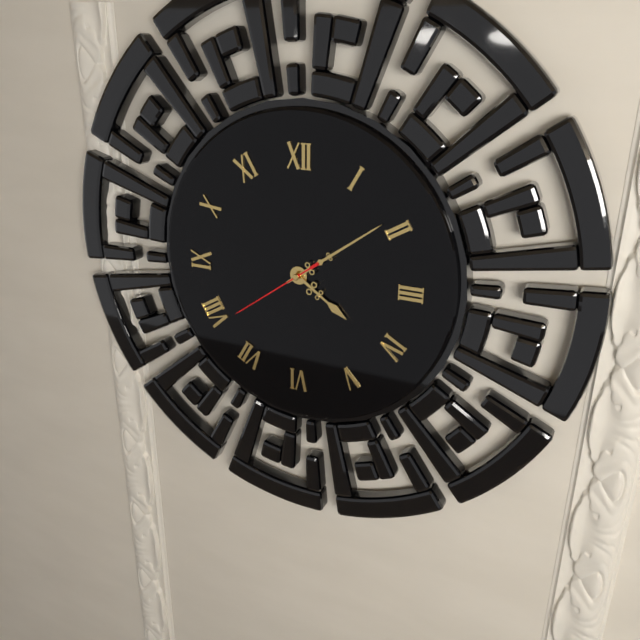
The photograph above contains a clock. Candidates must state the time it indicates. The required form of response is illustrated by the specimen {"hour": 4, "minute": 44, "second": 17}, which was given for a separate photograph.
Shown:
{"hour": 4, "minute": 9, "second": 39}
